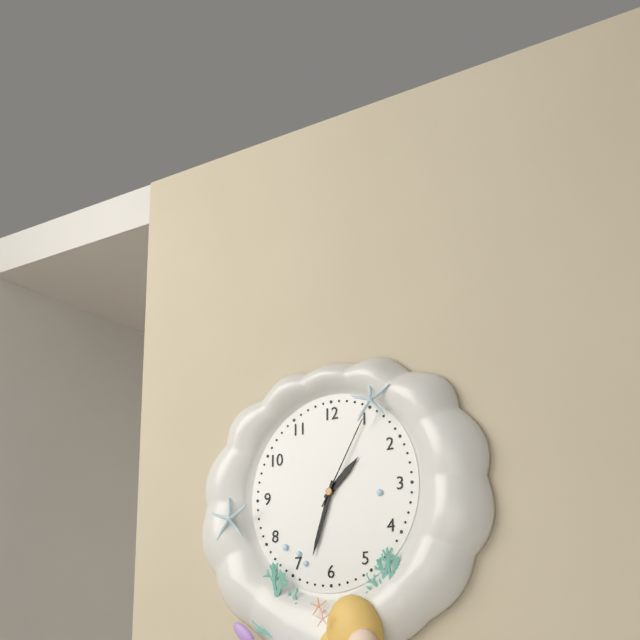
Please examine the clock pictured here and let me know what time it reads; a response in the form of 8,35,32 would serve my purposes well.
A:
1,33,05
